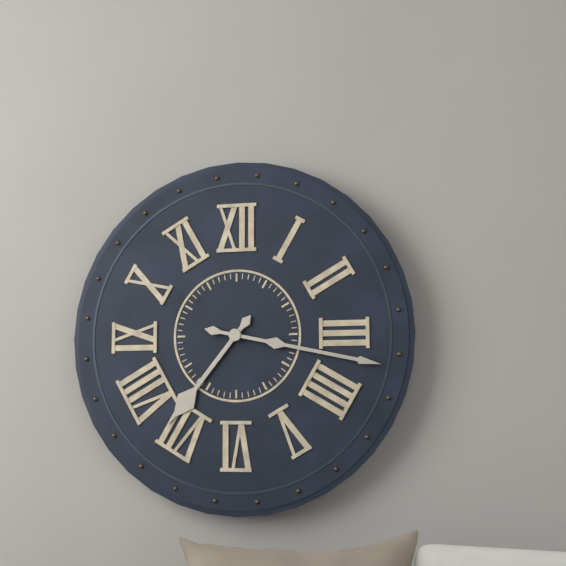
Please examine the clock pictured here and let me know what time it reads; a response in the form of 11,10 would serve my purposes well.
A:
7,17
